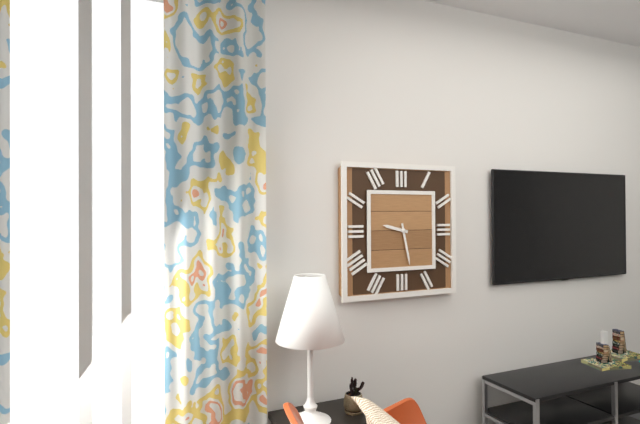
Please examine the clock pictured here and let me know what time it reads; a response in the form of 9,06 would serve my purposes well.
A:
9,28
